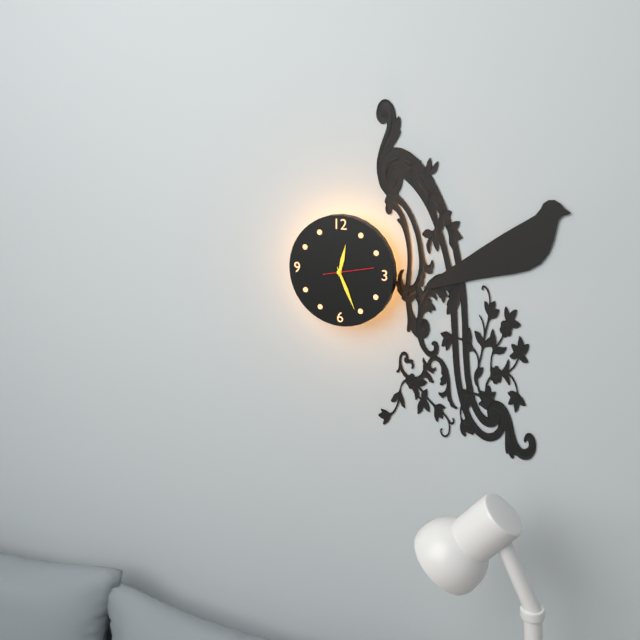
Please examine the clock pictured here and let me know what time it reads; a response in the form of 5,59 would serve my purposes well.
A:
12,26
